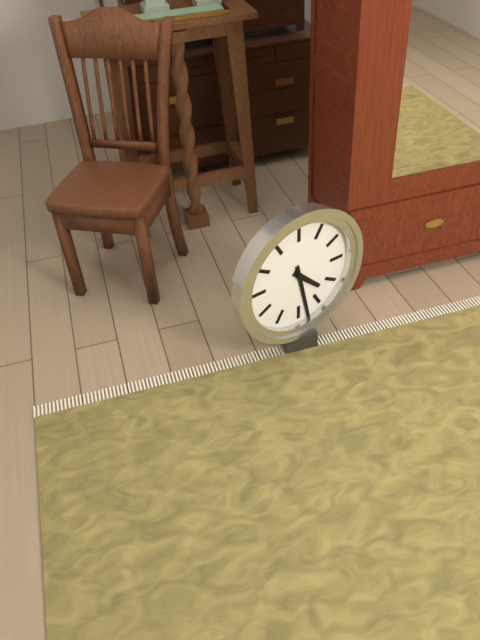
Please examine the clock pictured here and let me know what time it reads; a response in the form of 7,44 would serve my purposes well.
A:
4,28
